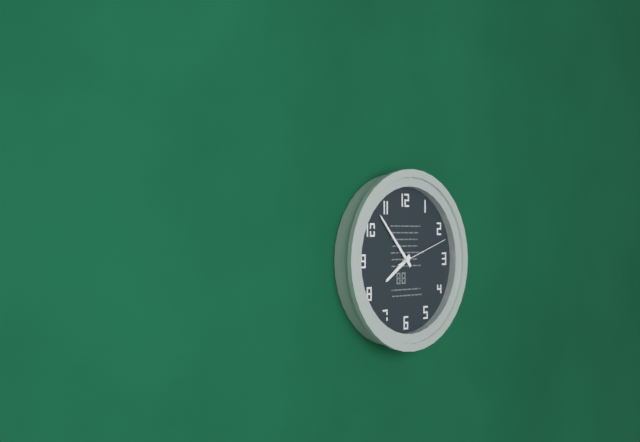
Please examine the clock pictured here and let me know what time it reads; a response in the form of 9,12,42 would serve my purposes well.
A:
7,53,12
